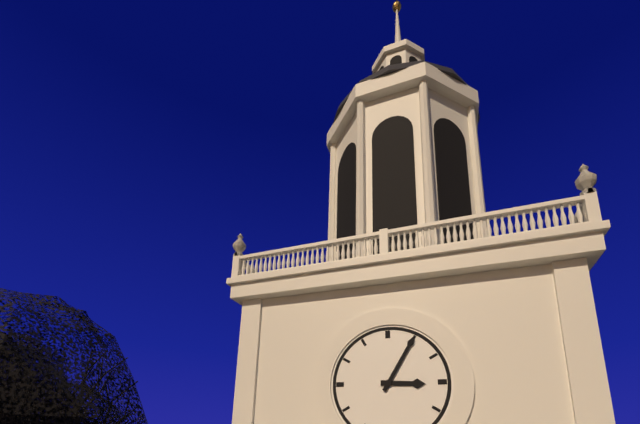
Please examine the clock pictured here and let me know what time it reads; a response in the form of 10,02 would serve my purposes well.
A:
3,05
